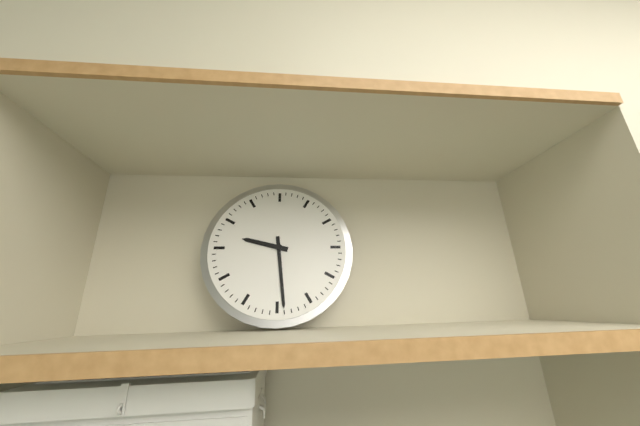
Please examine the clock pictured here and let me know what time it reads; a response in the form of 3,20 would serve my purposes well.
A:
9,29
